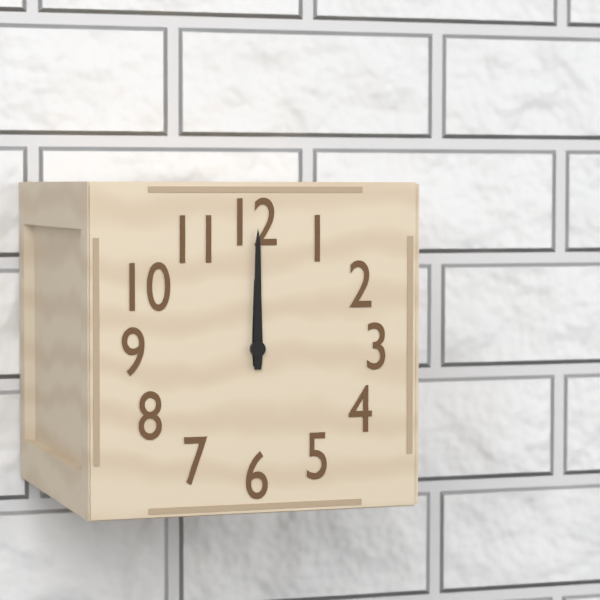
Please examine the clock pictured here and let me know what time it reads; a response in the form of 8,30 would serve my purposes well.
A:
12,00
